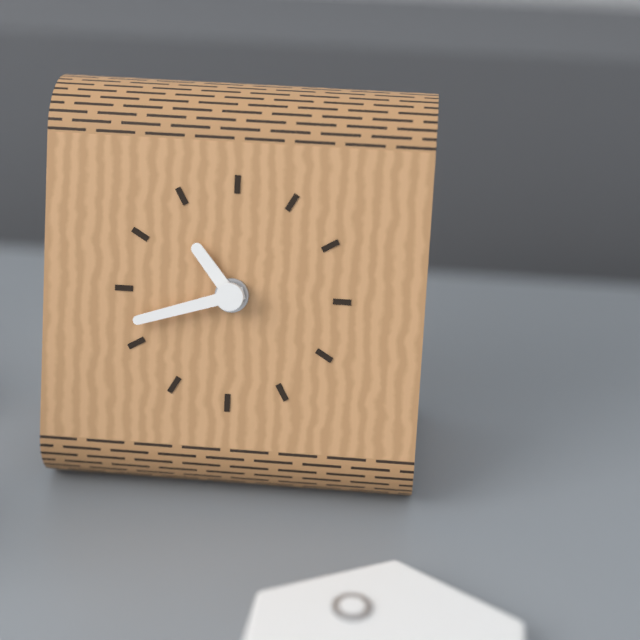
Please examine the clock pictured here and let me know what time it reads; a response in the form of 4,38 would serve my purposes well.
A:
10,42
